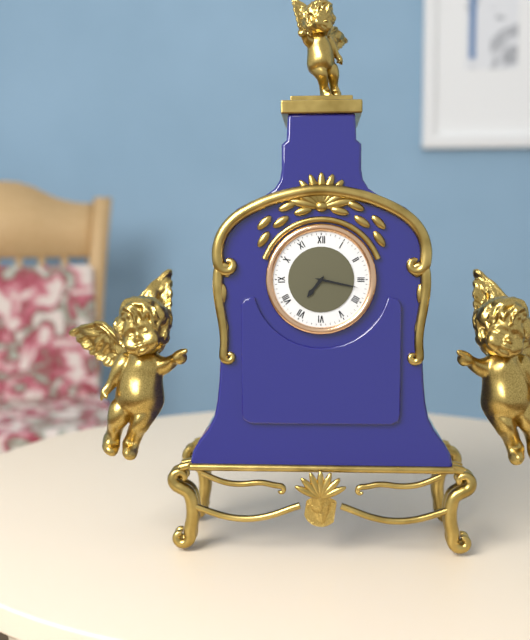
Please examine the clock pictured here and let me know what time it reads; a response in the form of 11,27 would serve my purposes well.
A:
7,17
